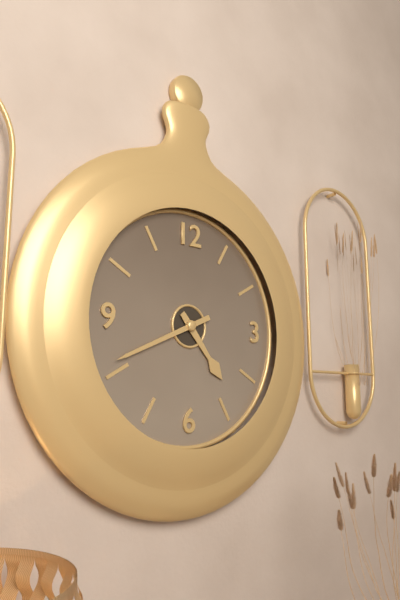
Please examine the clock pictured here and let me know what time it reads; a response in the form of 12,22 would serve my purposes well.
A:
4,41
